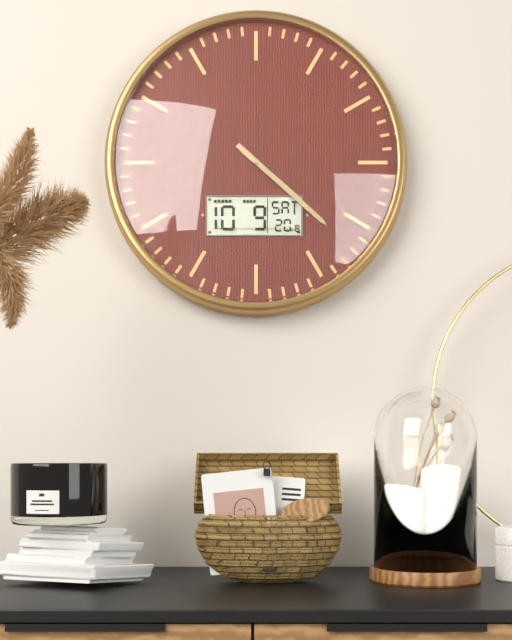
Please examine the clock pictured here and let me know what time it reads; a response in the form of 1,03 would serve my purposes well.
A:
4,22
